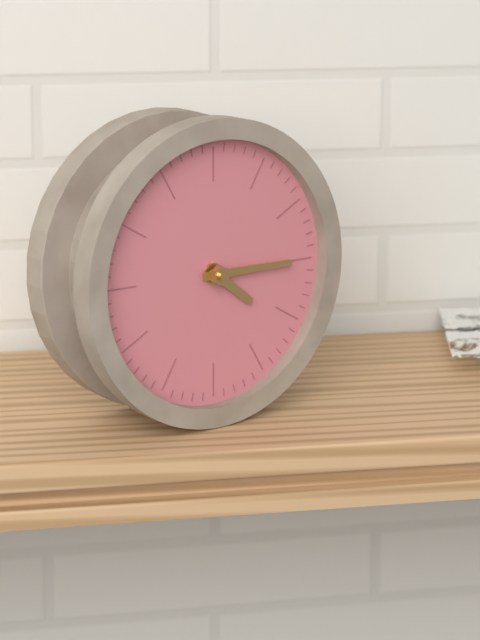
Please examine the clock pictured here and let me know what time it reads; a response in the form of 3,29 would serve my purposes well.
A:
4,15
